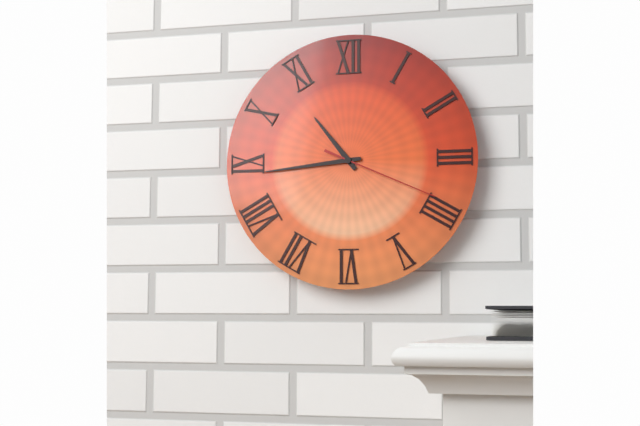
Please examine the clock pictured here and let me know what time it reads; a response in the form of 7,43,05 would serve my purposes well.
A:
10,44,19
